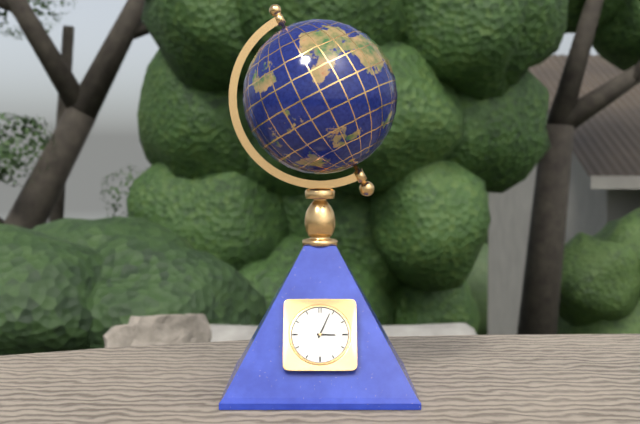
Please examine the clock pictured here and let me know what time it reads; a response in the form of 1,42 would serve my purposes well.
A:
3,04
